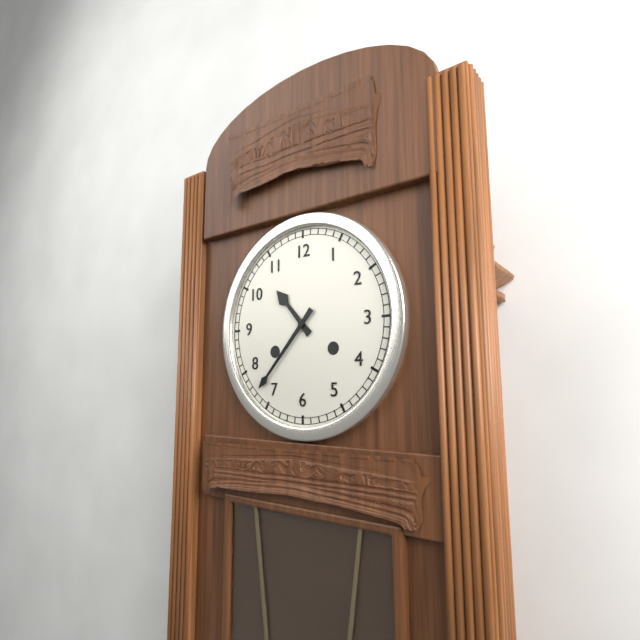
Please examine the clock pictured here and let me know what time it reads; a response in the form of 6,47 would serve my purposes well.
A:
10,37
